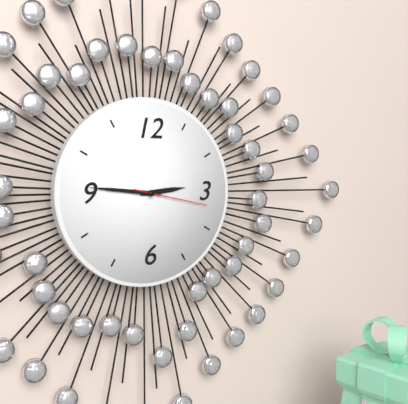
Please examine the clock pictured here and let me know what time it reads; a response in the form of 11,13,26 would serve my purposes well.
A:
2,46,17
